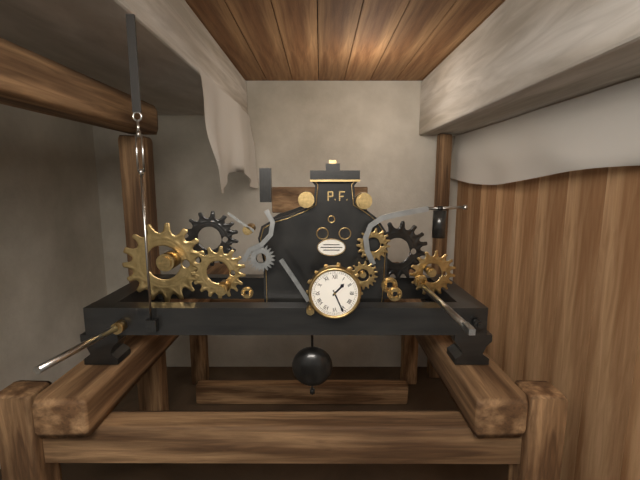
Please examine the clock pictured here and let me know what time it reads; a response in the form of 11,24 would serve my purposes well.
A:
1,26
